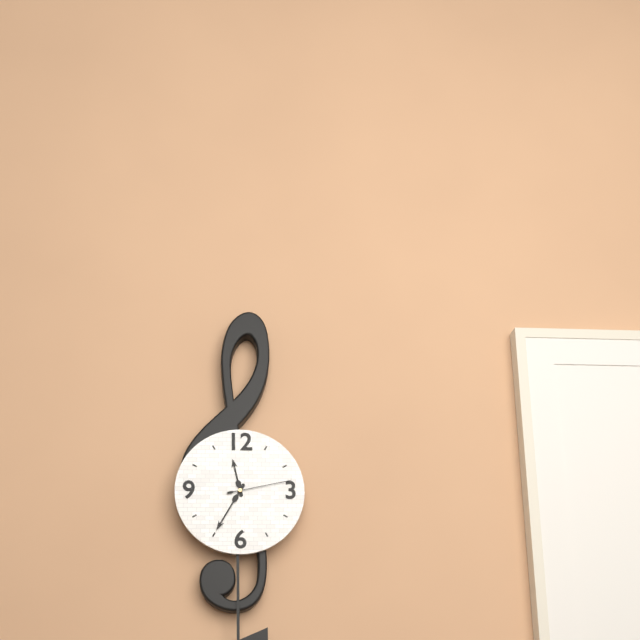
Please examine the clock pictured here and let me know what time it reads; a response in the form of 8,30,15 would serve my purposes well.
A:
11,35,13
